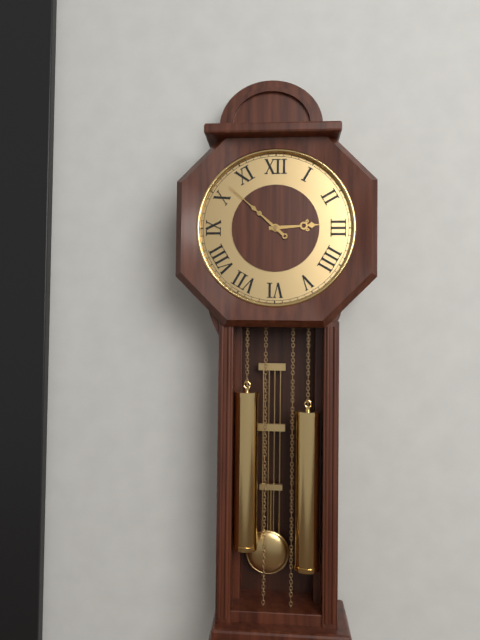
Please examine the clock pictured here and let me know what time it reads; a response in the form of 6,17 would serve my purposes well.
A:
2,52
